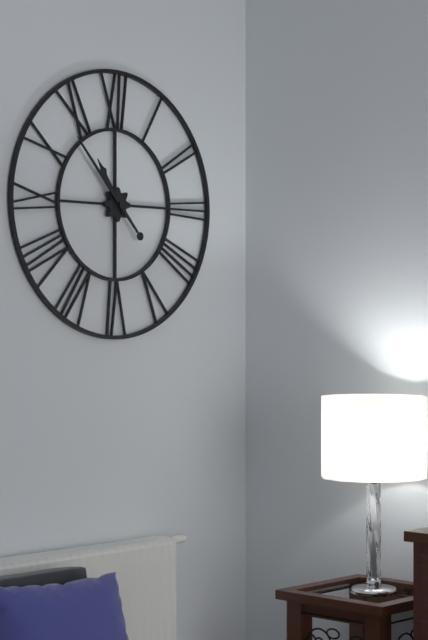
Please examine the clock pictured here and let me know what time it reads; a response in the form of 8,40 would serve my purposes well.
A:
10,53
